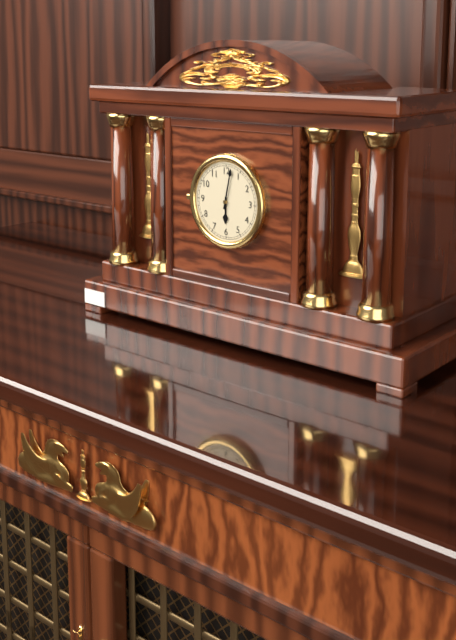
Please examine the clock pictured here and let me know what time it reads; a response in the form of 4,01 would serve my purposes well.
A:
6,02
